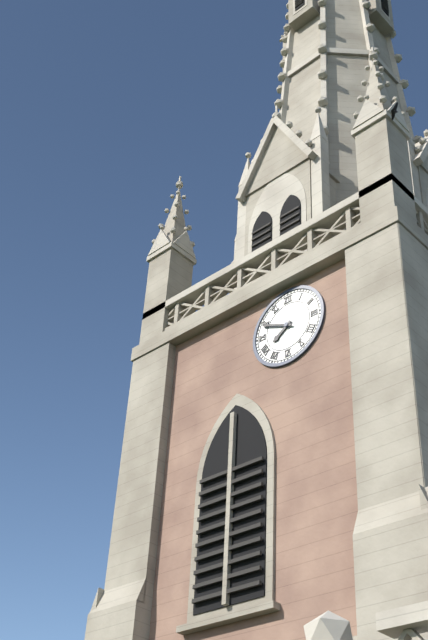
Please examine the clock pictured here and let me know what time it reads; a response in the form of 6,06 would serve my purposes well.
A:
7,49
